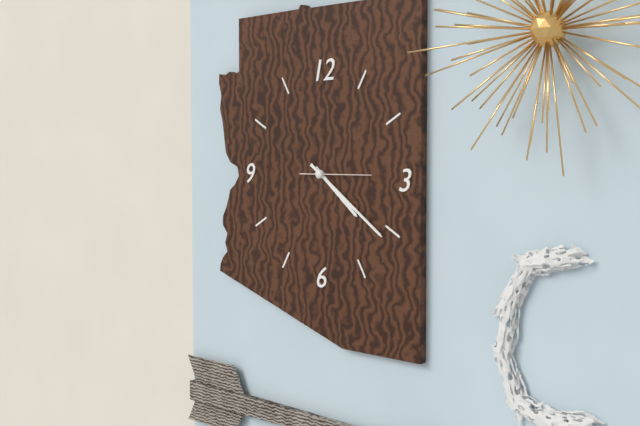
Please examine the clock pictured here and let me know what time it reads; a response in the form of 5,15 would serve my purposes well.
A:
4,21
